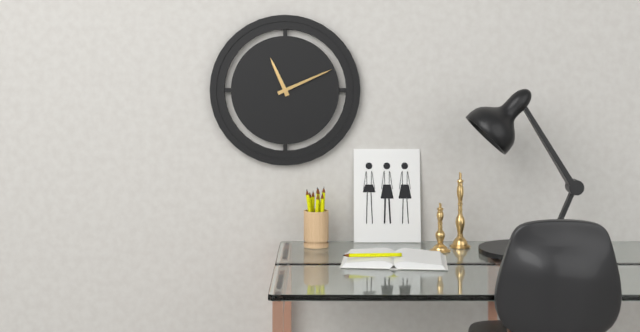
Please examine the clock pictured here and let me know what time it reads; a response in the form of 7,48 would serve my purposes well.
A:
11,11
